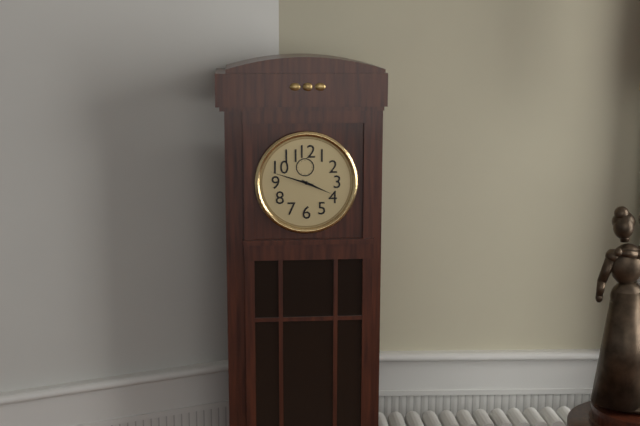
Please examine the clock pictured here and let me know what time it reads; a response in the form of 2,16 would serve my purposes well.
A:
3,48
